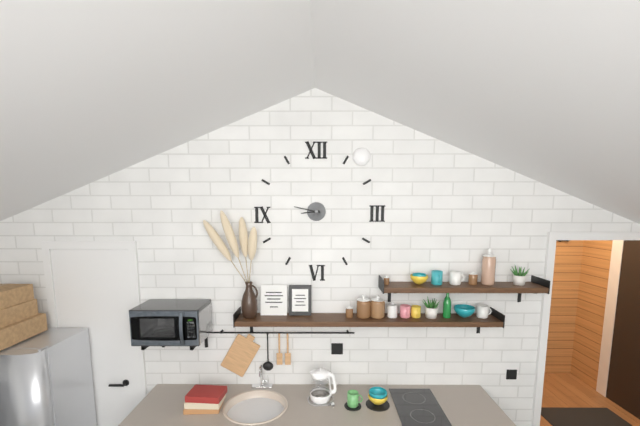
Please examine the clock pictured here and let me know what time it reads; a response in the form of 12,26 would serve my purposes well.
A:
8,47
